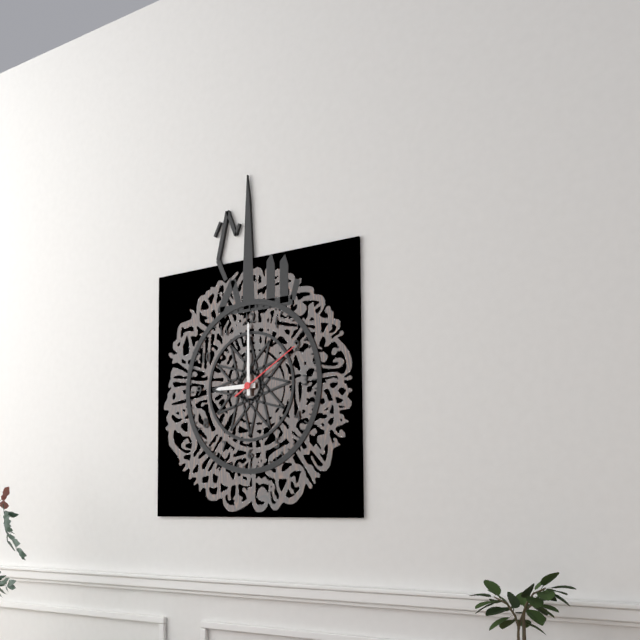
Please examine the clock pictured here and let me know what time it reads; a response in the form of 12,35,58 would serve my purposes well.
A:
9,00,10
